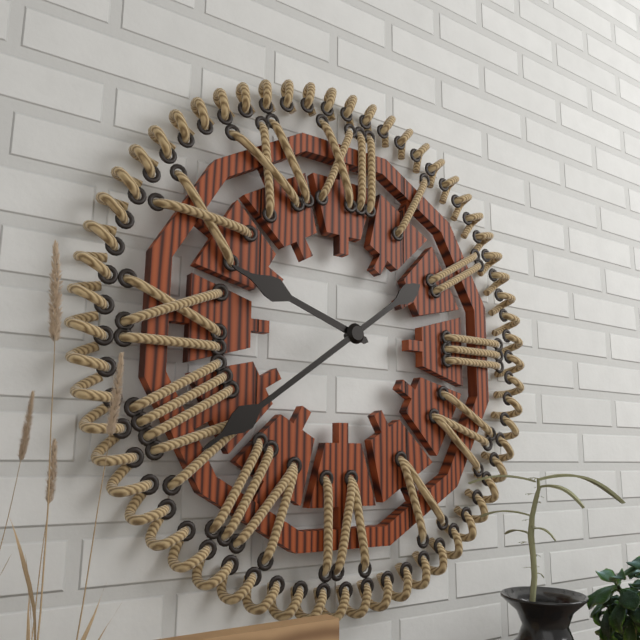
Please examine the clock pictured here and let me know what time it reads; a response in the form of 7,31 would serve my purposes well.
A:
9,39
